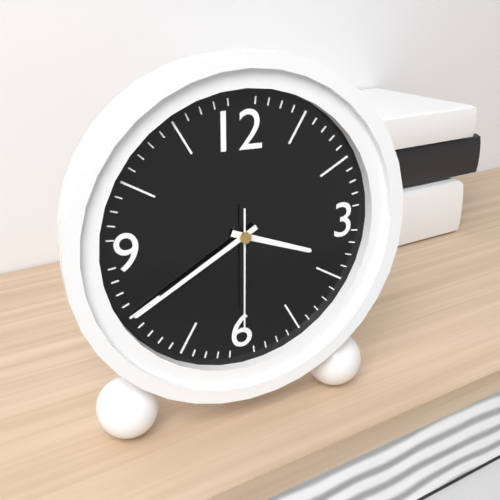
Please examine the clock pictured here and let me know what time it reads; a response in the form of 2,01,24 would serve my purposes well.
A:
3,40,30
